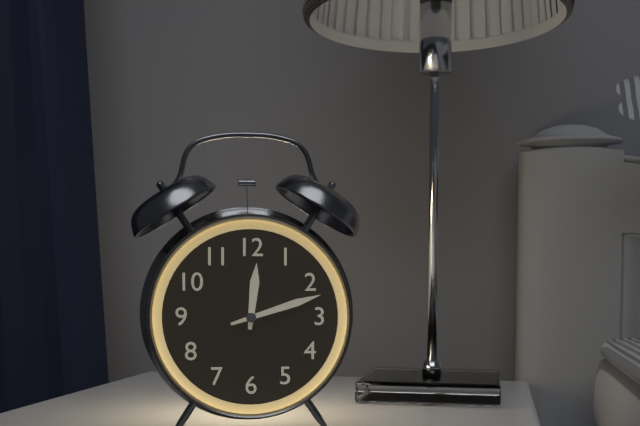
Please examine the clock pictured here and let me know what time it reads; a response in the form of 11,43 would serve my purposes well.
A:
12,12
